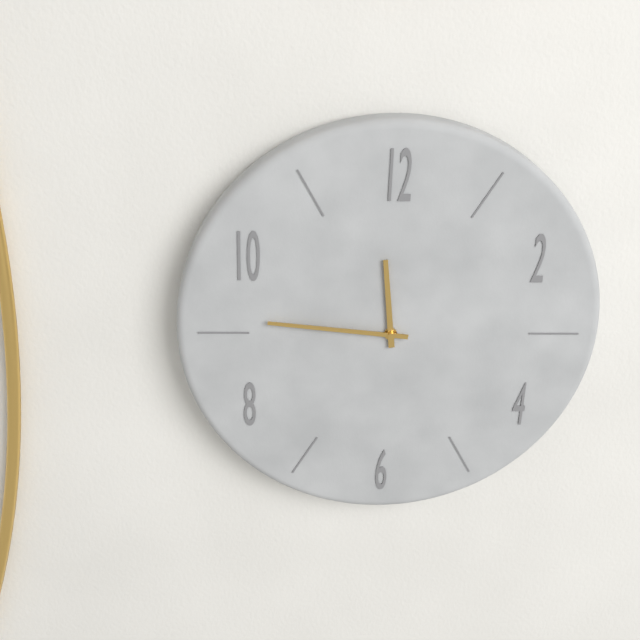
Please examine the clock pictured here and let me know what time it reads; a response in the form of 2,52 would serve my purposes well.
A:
11,46
